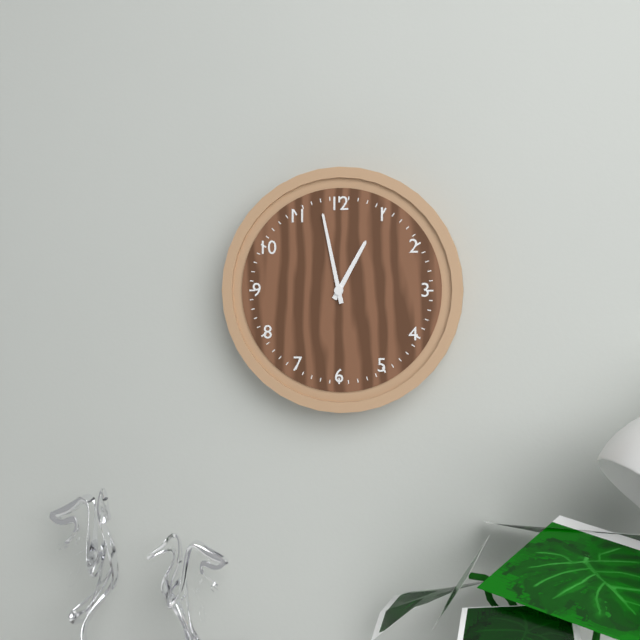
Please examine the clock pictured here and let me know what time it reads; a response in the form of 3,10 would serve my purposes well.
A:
12,58
